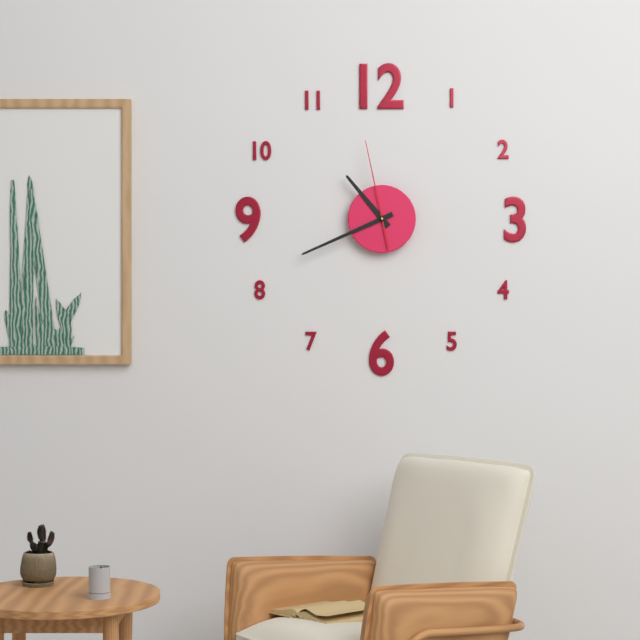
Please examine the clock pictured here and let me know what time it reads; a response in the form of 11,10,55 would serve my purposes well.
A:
10,41,58
